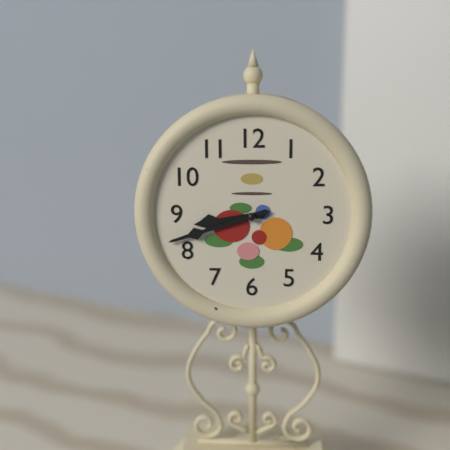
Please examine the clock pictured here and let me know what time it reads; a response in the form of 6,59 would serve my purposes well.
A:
8,42
